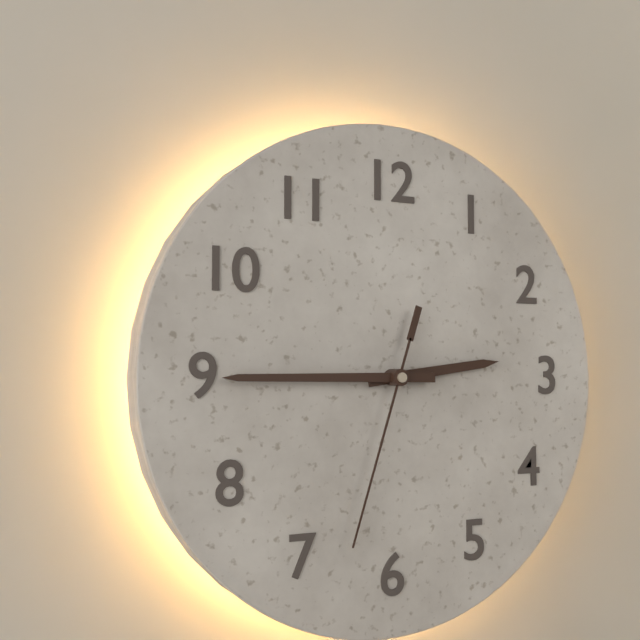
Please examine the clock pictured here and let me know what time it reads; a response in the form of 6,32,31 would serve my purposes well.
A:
2,45,33
